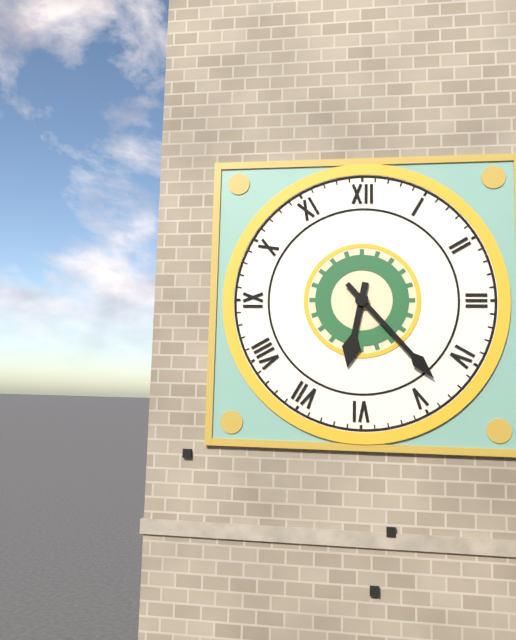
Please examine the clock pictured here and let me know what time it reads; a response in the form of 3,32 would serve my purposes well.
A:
6,23
